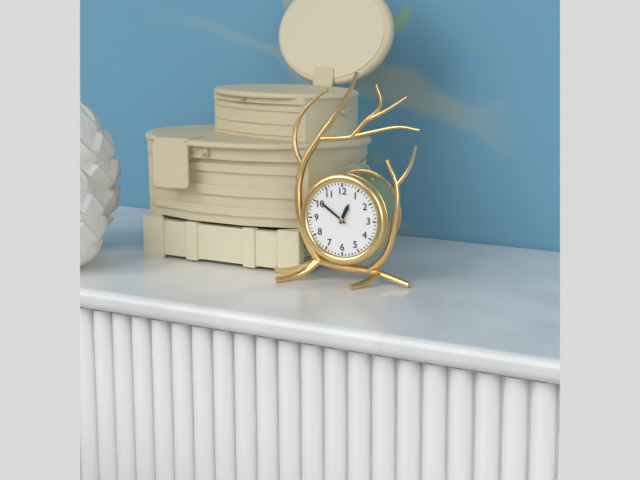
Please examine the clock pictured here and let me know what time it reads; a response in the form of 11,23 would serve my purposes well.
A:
12,51
